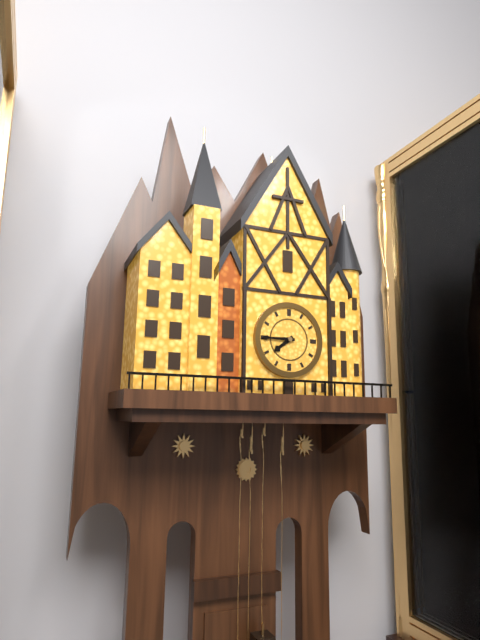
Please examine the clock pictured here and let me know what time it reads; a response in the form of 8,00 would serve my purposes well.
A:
7,45
